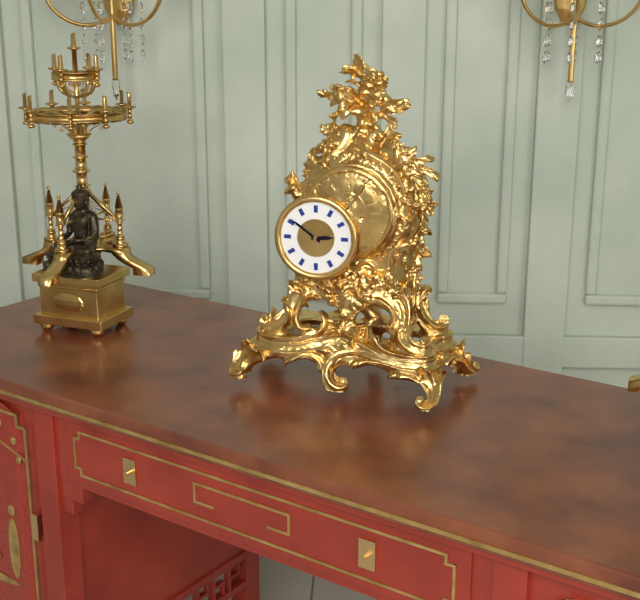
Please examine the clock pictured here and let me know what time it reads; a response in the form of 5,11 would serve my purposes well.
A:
2,51
